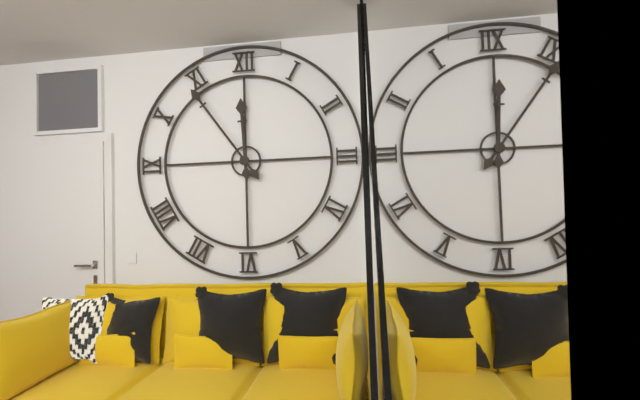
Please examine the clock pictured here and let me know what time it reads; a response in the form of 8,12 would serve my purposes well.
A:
11,54
